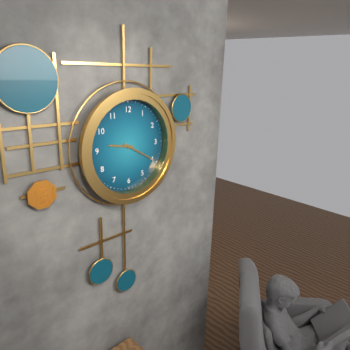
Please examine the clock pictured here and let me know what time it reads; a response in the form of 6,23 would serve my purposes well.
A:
9,20
